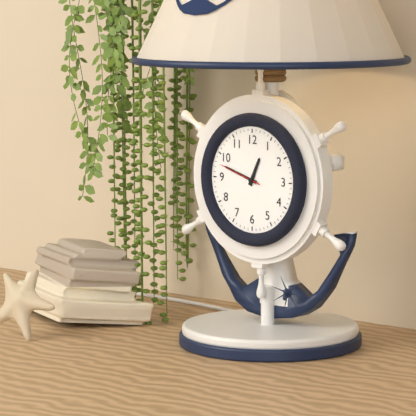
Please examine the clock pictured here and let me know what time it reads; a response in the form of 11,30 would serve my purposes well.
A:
12,48
